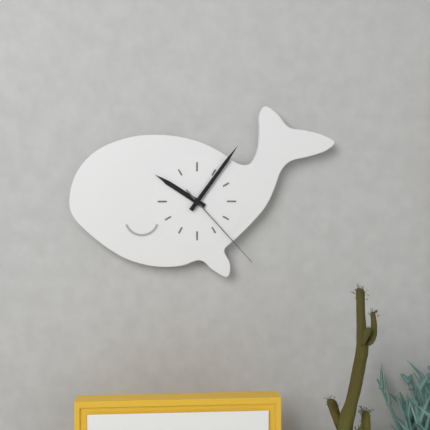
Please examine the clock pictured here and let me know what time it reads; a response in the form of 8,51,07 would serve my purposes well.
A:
10,06,23
